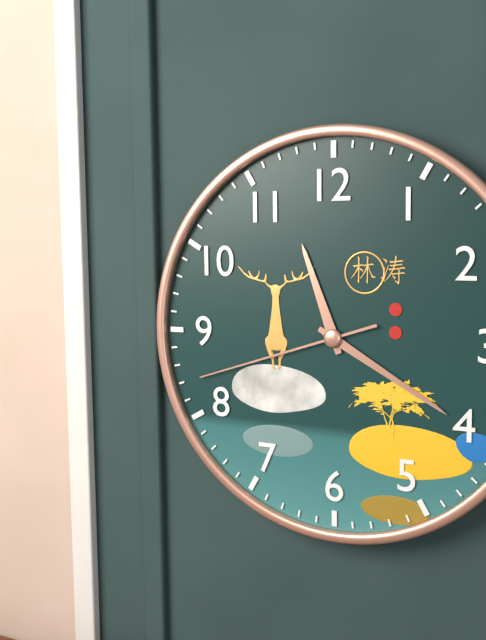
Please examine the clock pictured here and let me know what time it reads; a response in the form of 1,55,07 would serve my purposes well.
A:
11,20,42
